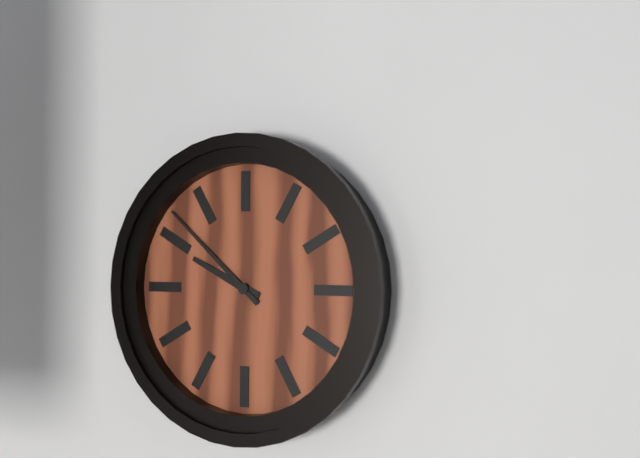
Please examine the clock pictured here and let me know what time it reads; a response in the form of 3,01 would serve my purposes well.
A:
9,52
